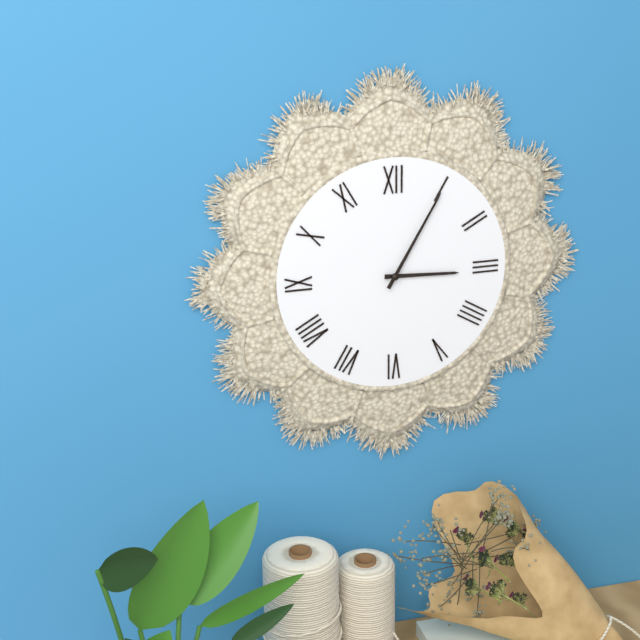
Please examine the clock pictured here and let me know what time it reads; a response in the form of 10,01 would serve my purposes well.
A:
3,05
